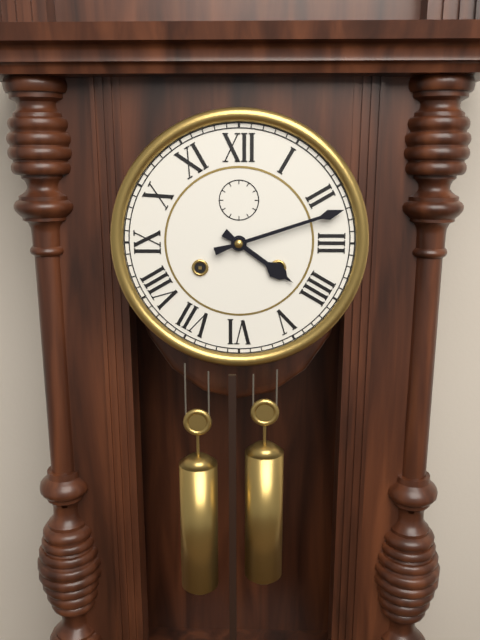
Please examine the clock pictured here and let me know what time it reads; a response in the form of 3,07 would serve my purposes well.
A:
4,12
